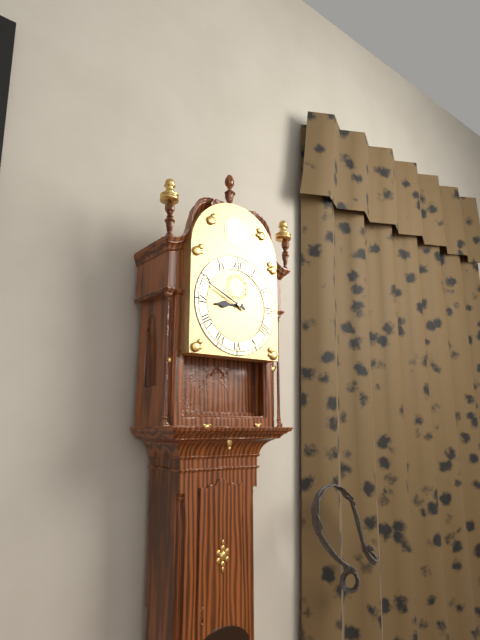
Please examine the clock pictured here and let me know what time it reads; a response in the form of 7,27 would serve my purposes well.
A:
8,49
